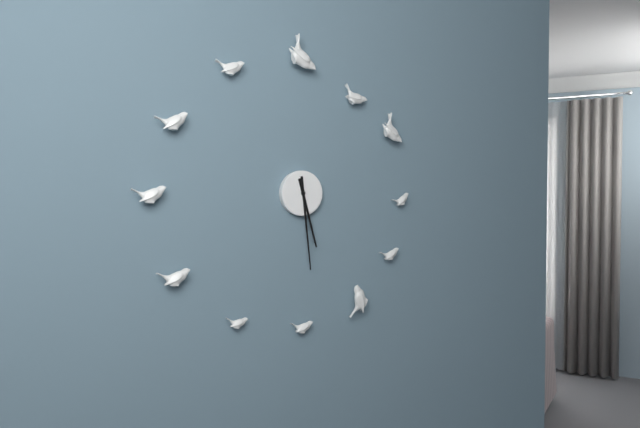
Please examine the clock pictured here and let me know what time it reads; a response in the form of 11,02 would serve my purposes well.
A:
5,29
